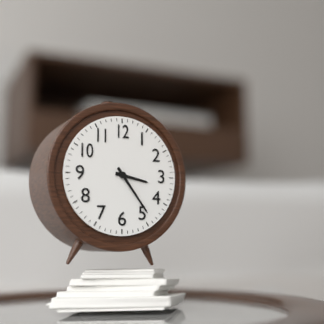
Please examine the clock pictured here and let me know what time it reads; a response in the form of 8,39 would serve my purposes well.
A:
3,24
